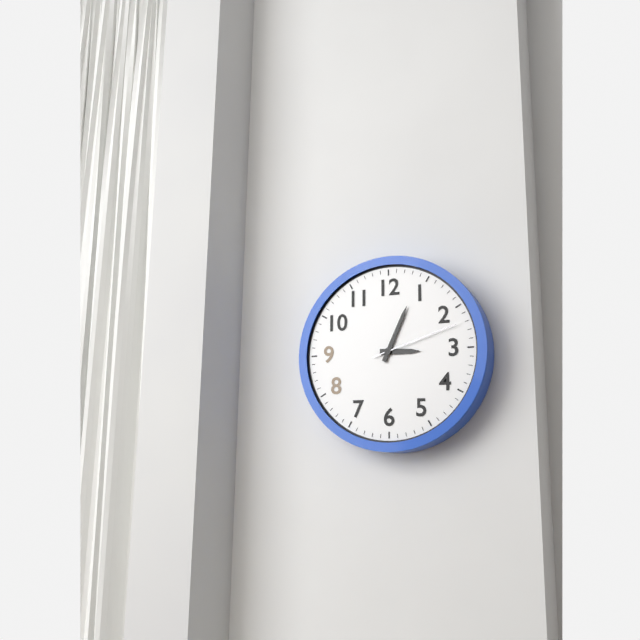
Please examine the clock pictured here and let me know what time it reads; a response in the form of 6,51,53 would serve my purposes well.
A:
3,04,12
